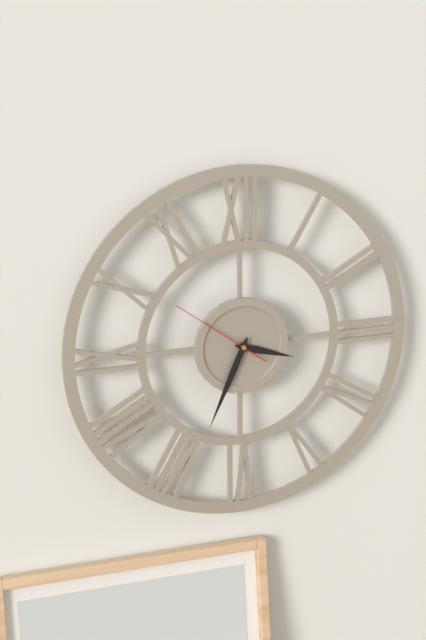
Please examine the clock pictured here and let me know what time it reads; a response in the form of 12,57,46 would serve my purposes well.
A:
3,34,51
